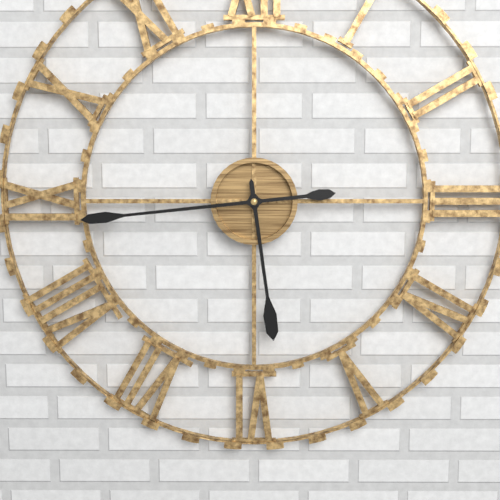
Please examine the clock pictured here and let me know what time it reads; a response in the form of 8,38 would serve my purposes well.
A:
5,44
